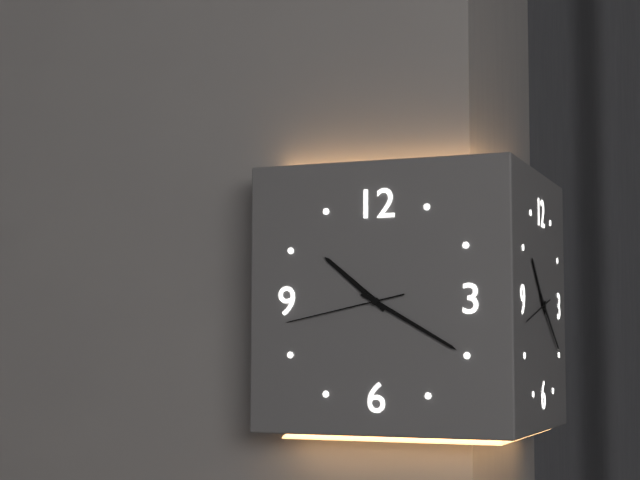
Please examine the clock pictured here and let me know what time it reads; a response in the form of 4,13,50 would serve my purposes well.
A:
10,20,43
